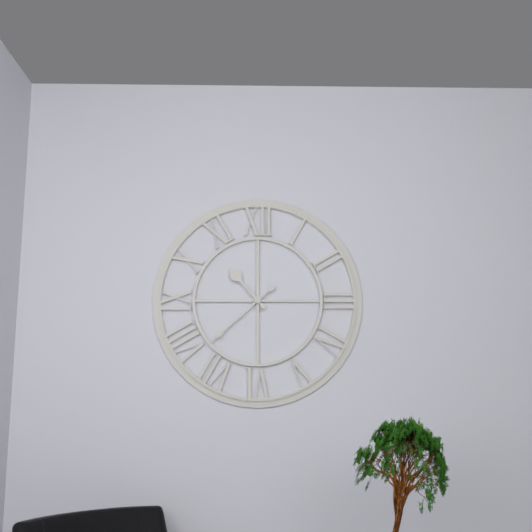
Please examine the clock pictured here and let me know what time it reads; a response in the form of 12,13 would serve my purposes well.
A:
10,38
